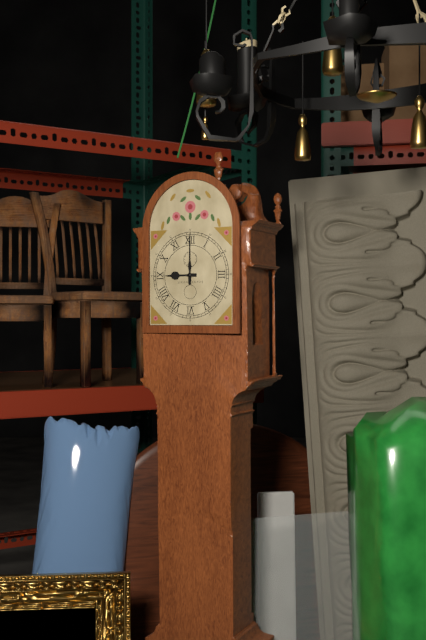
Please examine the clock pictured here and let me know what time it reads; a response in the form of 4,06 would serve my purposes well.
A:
9,00
